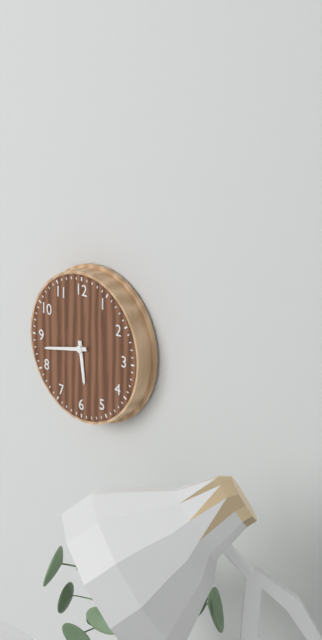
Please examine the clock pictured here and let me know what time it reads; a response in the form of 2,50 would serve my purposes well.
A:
5,43
